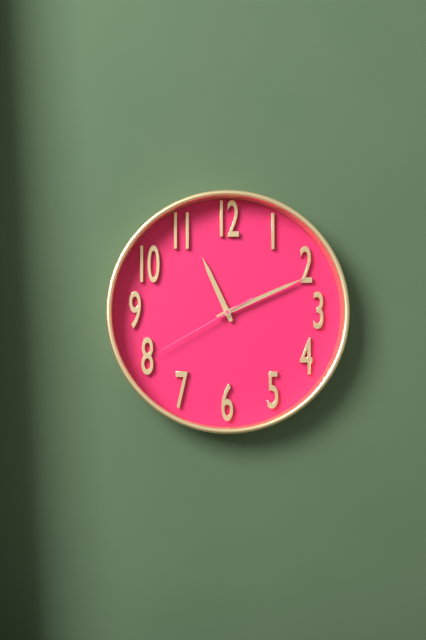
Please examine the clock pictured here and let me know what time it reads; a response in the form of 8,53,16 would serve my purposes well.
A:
11,11,40
